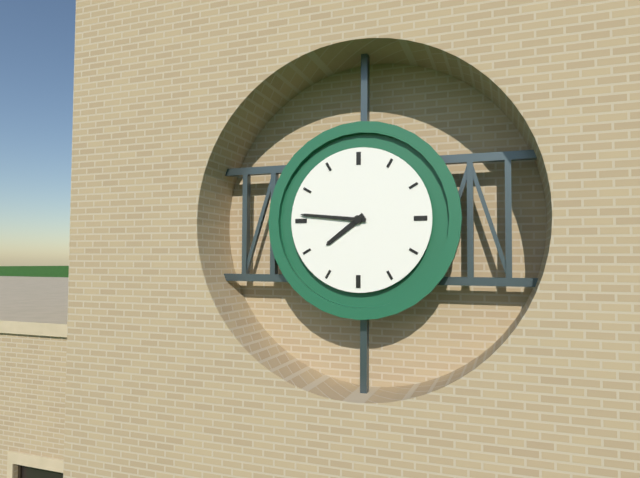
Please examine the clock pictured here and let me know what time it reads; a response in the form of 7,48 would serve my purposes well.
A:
7,46
